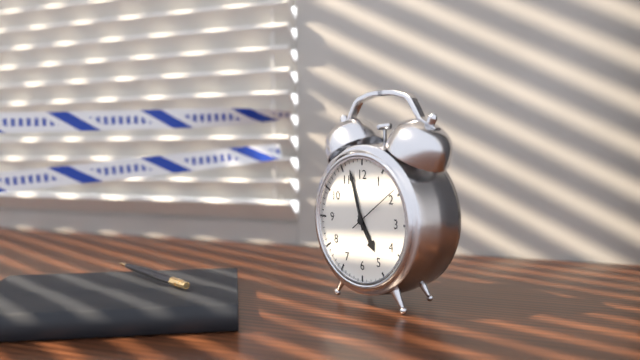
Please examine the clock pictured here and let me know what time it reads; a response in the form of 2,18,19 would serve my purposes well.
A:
4,57,09
